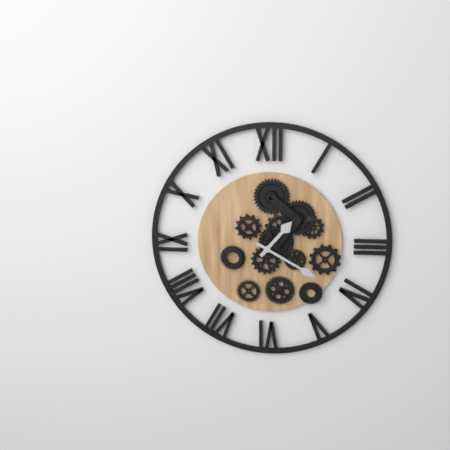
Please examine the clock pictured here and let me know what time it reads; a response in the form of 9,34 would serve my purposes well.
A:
1,20
